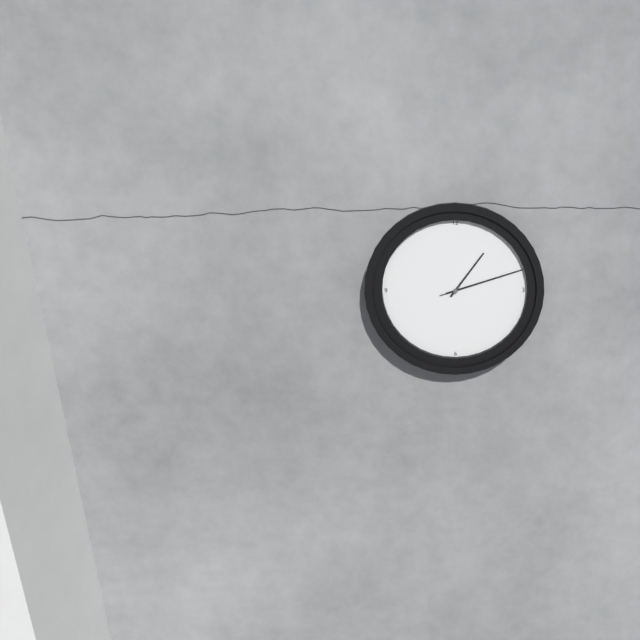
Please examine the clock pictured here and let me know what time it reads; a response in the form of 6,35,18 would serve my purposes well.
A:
1,12,12
